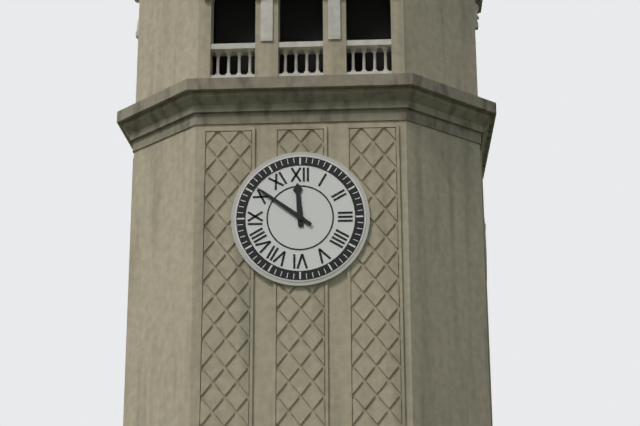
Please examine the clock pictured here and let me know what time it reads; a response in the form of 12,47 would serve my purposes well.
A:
11,51
